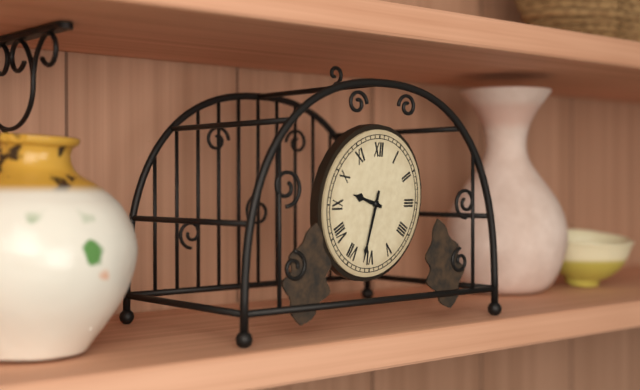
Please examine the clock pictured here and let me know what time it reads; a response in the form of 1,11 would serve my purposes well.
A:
9,32
